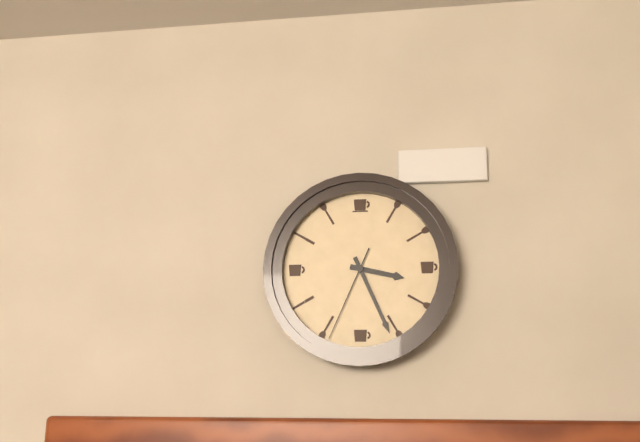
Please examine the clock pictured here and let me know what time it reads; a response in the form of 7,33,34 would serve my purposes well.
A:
3,26,34
